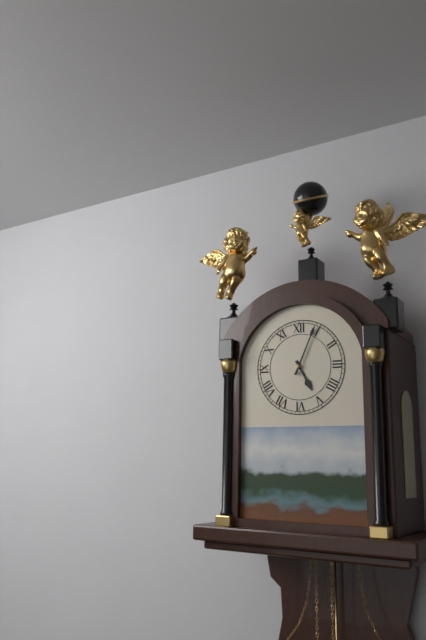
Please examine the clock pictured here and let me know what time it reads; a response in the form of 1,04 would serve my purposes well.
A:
5,04
